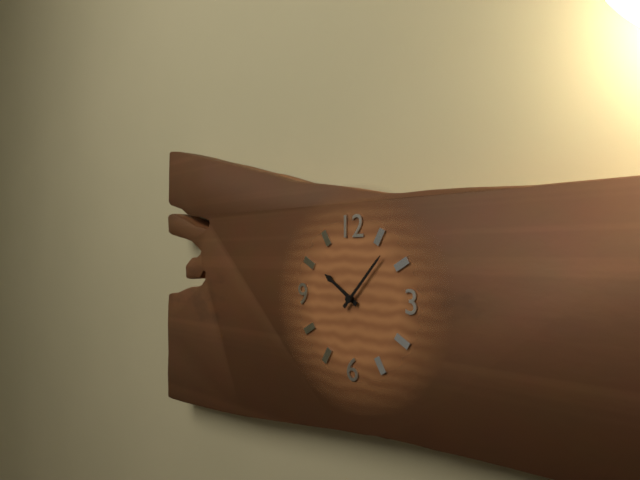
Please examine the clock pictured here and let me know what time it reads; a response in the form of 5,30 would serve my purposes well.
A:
10,07
